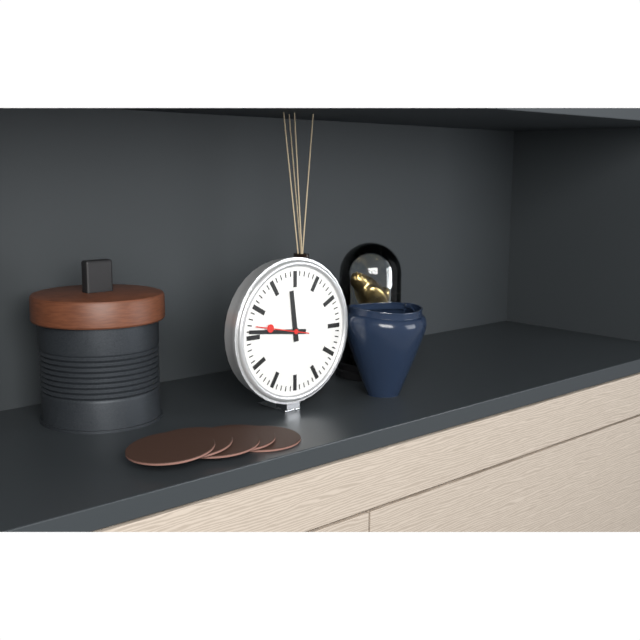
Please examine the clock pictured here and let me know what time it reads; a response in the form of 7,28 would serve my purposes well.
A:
11,46
